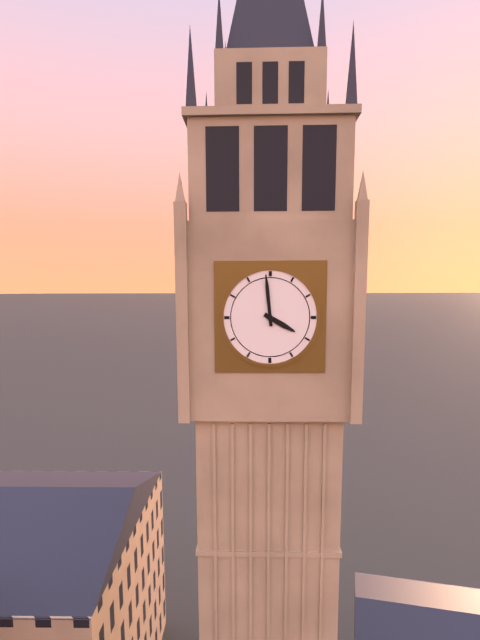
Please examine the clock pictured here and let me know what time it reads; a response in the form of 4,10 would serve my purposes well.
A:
3,59
